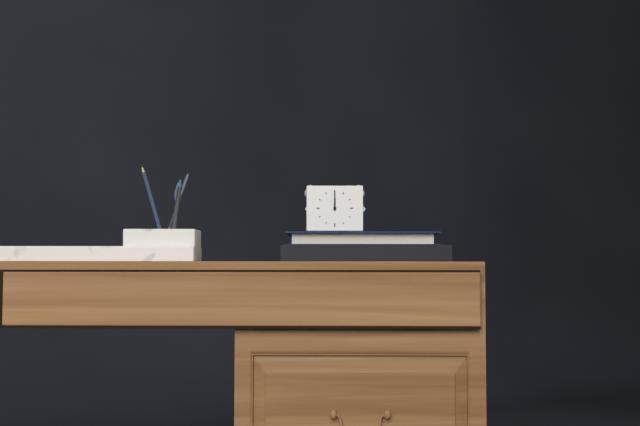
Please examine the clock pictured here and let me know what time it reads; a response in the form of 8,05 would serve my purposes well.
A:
12,00
